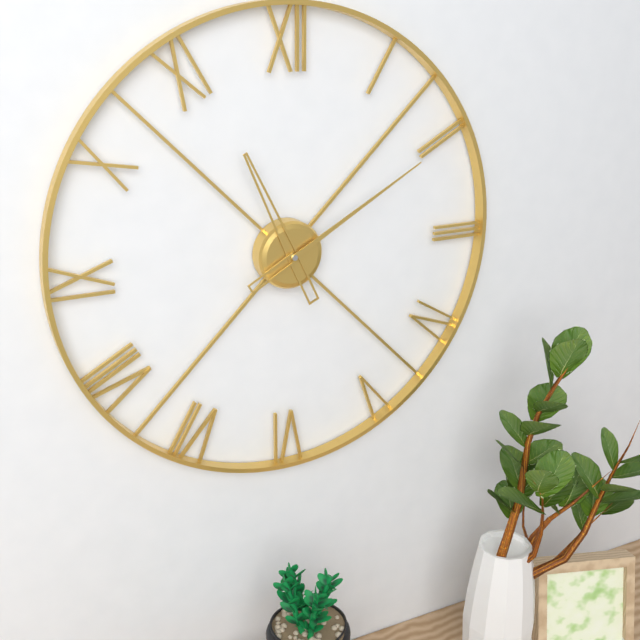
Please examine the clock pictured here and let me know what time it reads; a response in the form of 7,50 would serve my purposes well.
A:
11,10
